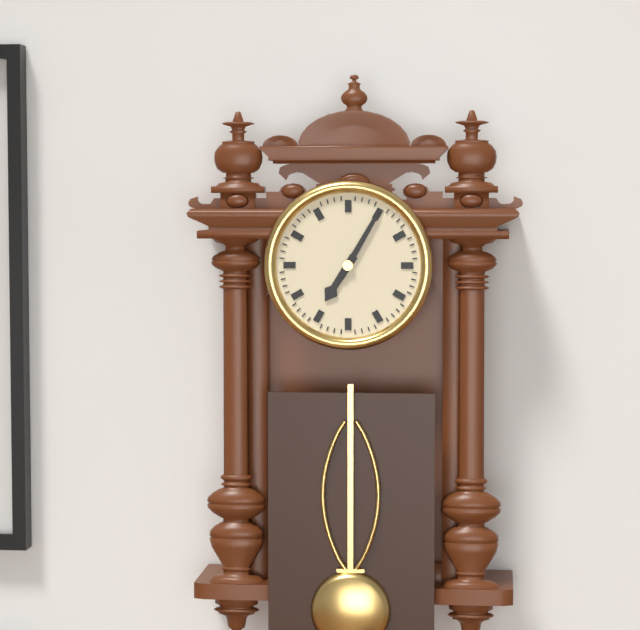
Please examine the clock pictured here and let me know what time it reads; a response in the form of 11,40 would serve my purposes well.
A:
7,05
